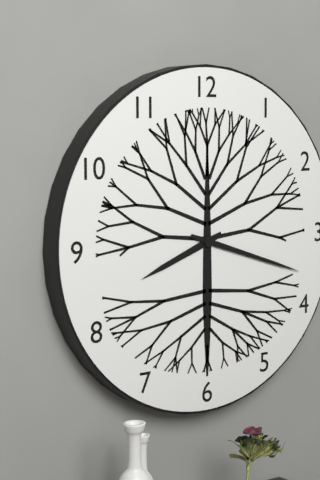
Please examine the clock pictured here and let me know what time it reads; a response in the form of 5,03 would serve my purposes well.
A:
8,18
